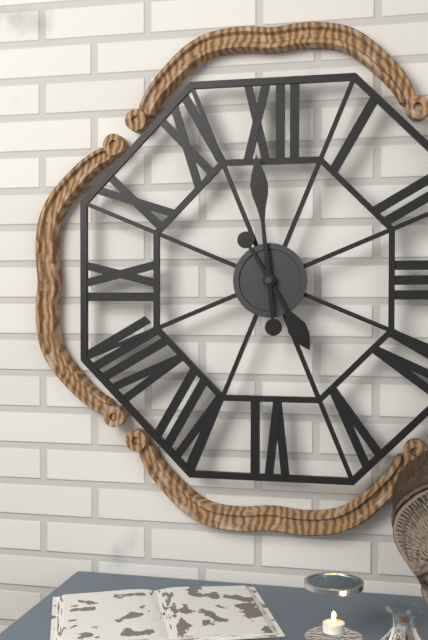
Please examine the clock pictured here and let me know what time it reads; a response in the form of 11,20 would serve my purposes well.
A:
4,59
